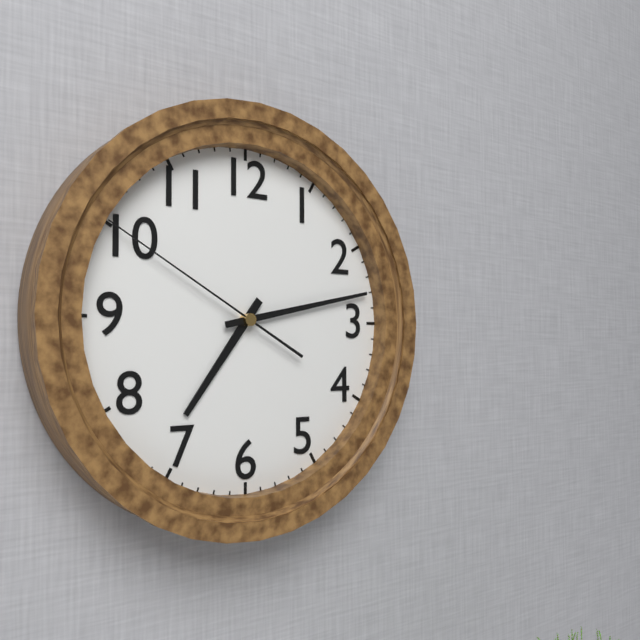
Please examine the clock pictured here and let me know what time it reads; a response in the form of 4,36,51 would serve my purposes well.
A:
7,13,50
